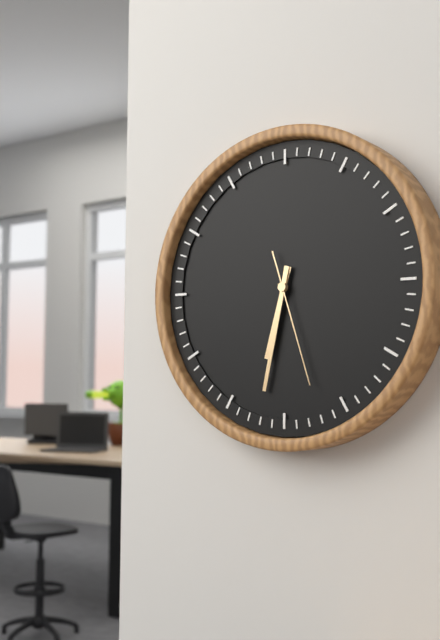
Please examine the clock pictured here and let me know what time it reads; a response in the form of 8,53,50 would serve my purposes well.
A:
6,32,27
